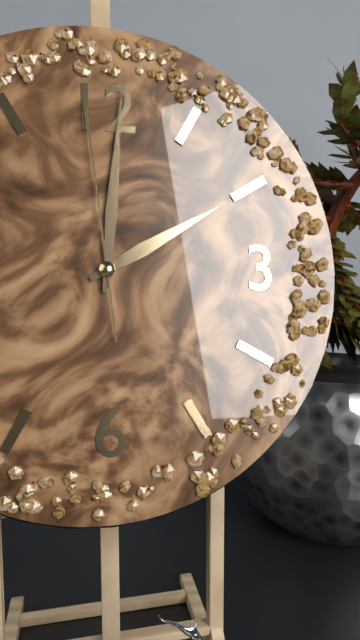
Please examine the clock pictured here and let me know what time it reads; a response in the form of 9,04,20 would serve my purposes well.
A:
2,01,59
